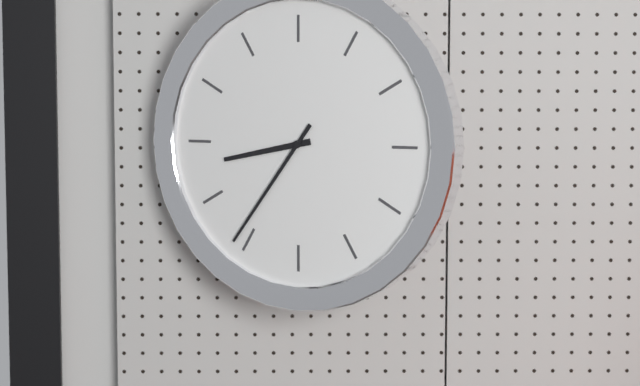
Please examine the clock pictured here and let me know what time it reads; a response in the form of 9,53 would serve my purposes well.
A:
8,36
